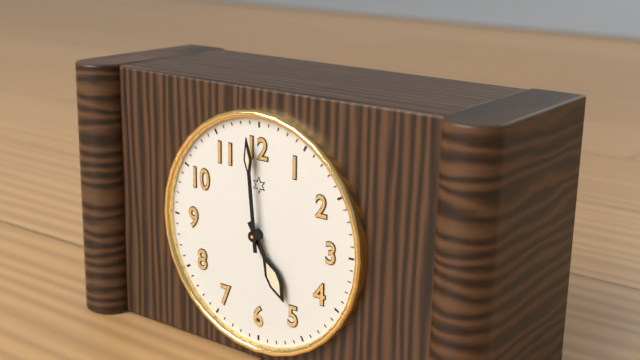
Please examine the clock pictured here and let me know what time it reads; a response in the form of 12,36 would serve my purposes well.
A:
4,59
